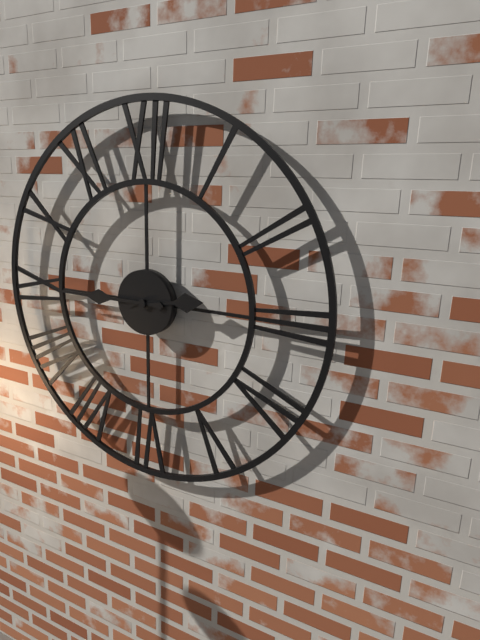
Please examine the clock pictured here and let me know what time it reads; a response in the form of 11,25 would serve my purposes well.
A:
2,45
